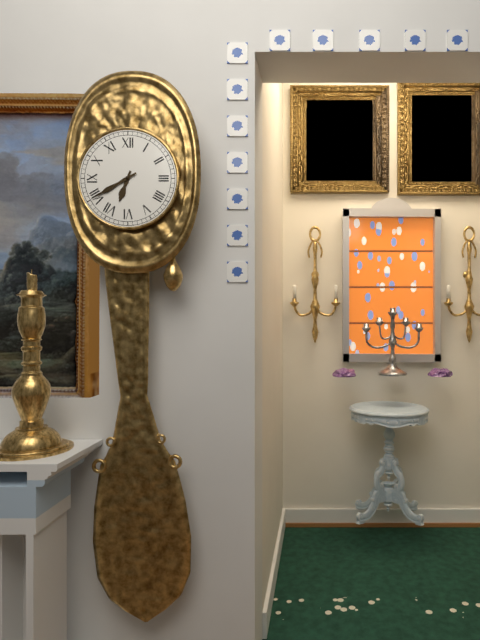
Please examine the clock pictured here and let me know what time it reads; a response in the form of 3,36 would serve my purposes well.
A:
6,40
